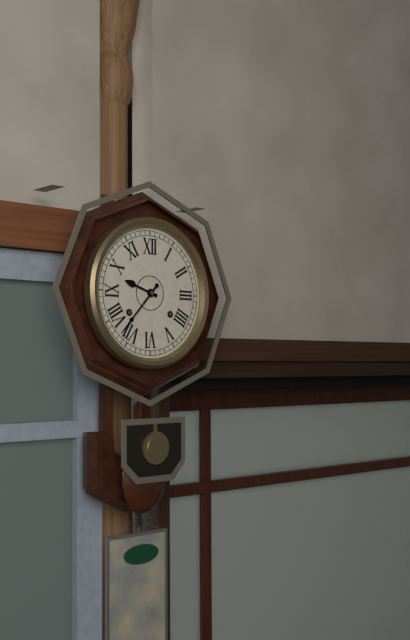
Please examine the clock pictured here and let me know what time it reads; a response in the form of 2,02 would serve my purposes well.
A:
9,37
